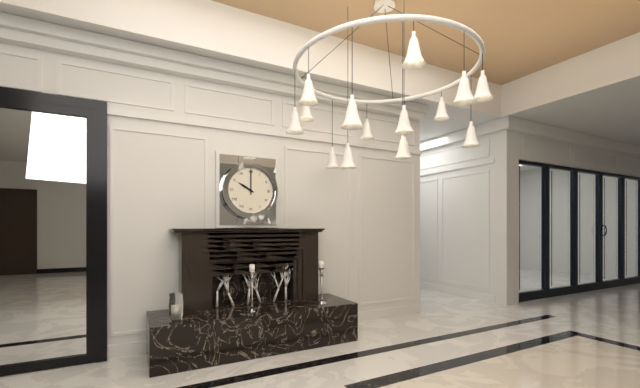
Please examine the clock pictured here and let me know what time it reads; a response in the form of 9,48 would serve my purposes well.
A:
10,00
